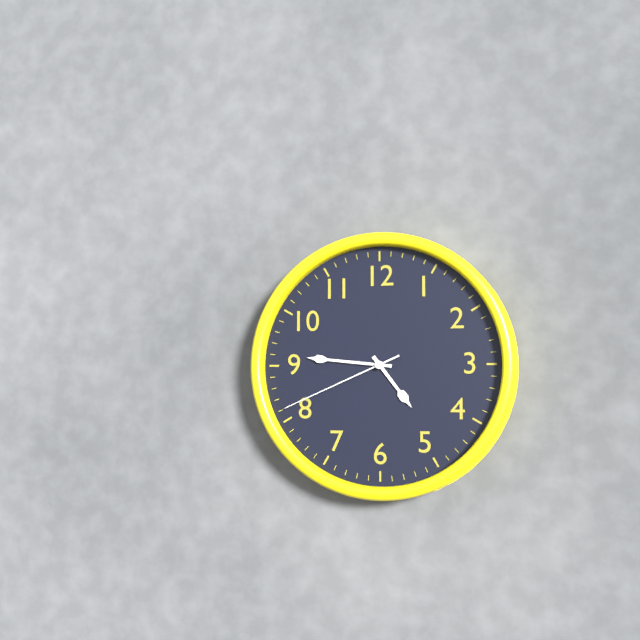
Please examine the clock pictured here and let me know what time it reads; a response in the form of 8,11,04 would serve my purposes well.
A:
4,46,41
